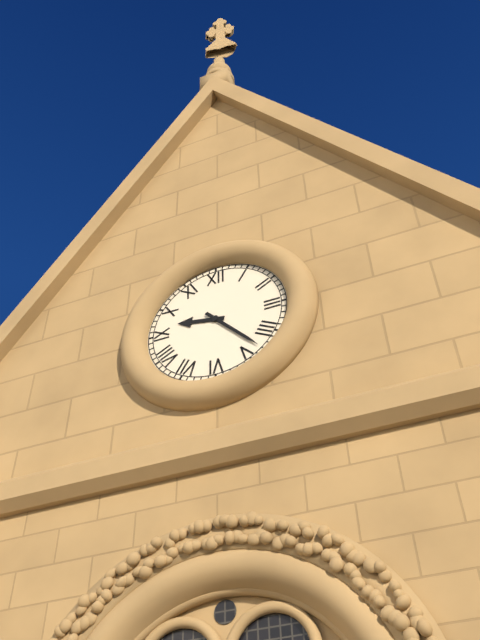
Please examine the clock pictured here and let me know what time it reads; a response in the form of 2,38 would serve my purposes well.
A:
9,23
